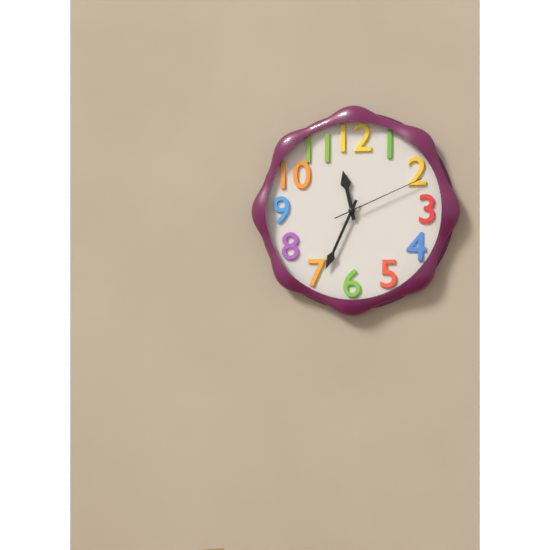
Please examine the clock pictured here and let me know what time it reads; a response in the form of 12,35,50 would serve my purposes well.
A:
11,34,11
